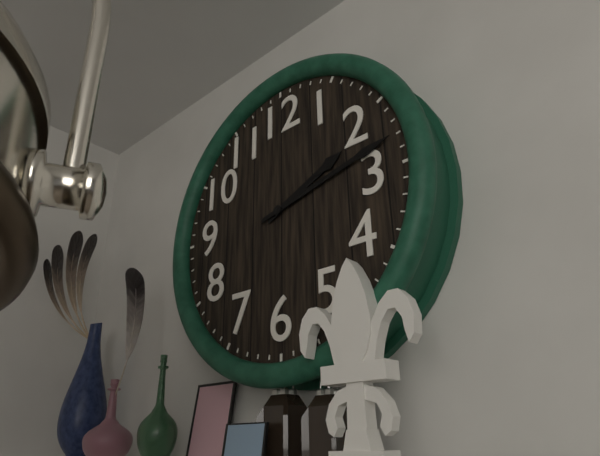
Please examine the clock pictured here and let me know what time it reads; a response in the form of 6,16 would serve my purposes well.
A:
2,13
